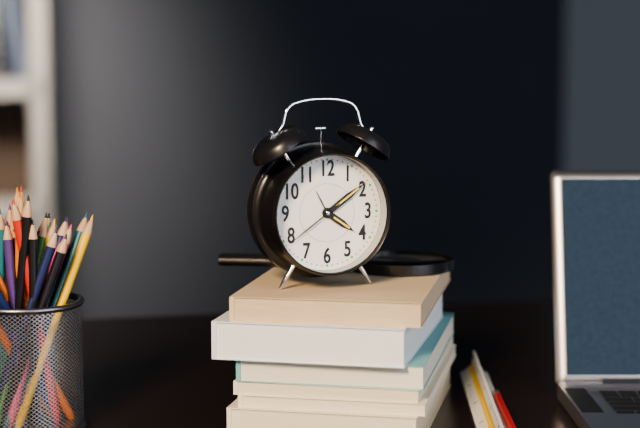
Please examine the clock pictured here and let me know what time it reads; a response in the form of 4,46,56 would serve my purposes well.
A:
4,09,39
